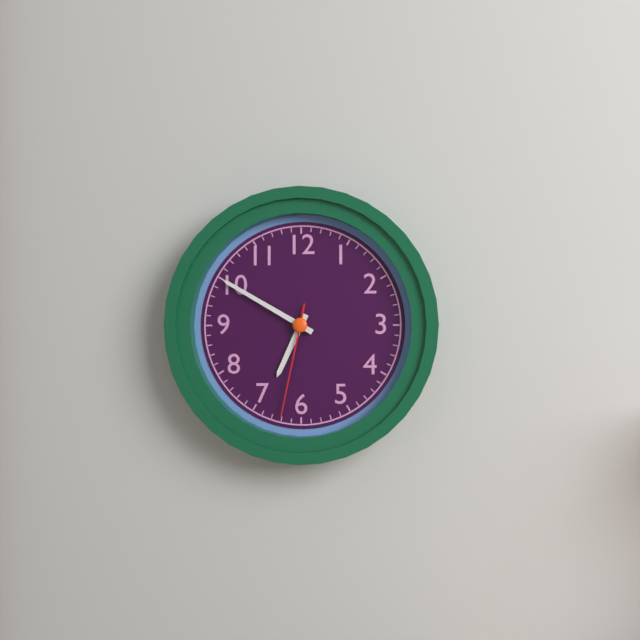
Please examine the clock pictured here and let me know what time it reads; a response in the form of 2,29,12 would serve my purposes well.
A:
6,50,32
